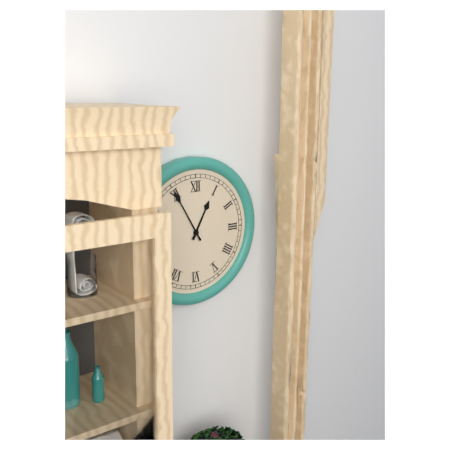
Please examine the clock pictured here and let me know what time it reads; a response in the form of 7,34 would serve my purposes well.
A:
12,55
